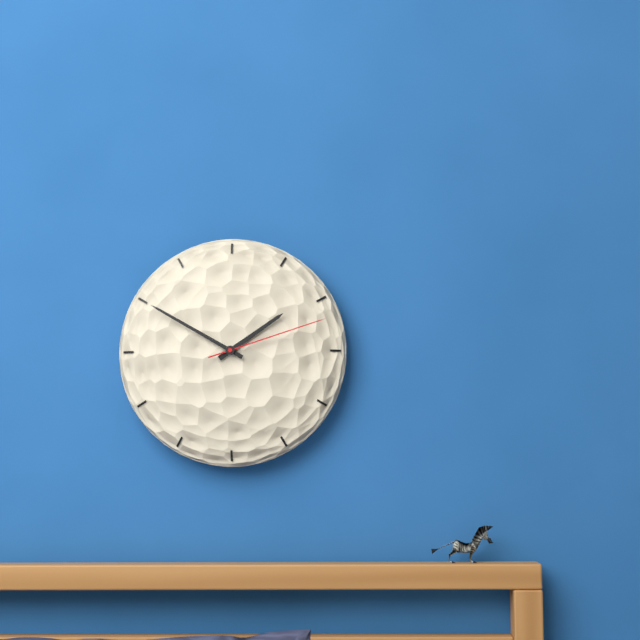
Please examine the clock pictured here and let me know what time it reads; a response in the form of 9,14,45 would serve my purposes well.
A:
1,50,12
